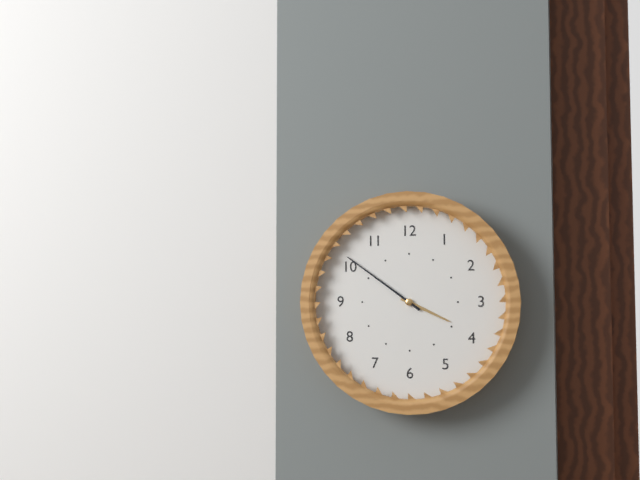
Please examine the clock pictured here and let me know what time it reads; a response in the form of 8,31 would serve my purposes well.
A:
3,51
